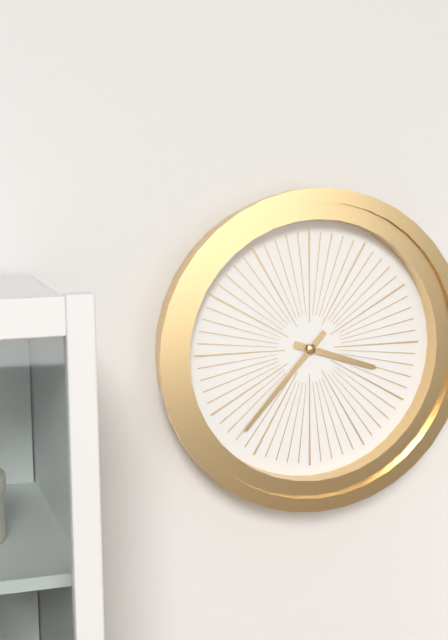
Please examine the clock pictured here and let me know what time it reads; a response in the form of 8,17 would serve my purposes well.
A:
3,37
